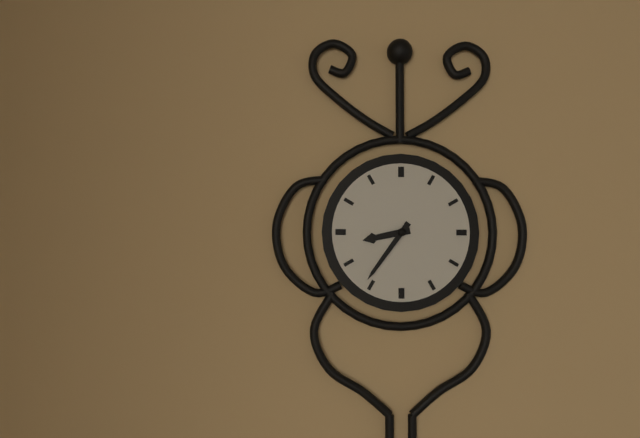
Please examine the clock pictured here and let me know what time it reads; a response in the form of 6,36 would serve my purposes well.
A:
8,36
